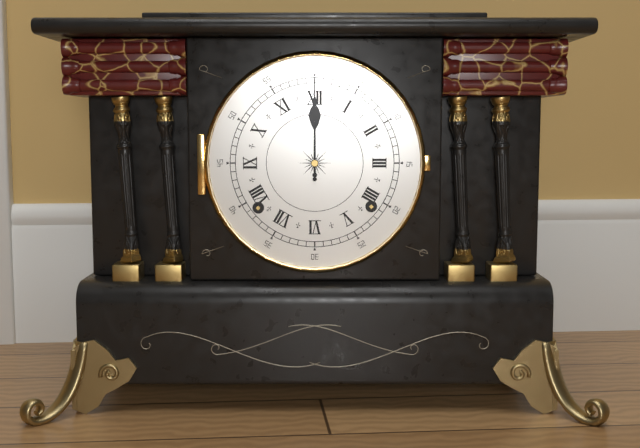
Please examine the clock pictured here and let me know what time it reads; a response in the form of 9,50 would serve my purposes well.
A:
12,00
